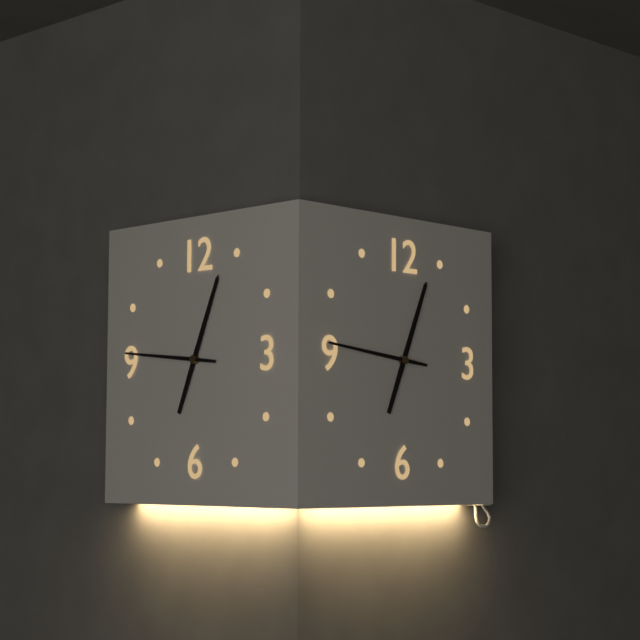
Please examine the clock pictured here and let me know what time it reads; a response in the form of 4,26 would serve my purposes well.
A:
12,46
